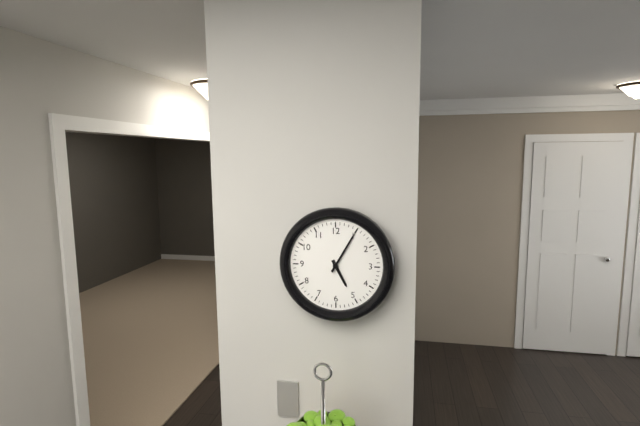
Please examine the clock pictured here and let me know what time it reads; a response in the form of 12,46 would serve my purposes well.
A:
5,05
